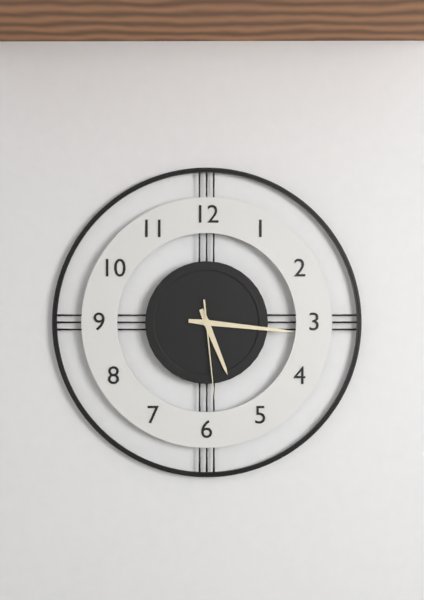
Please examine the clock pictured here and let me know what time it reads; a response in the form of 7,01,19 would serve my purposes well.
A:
5,16,29
